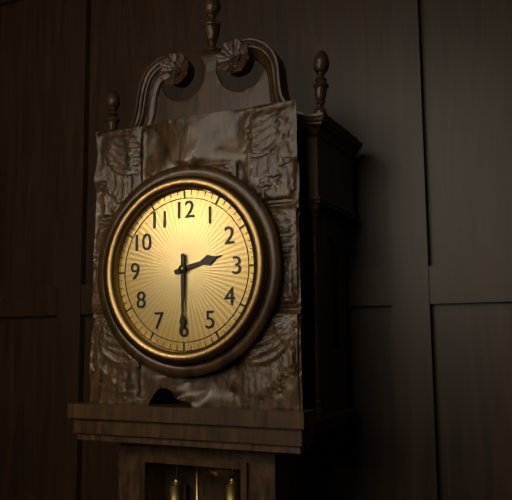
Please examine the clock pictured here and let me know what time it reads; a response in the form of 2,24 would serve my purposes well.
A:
2,30
